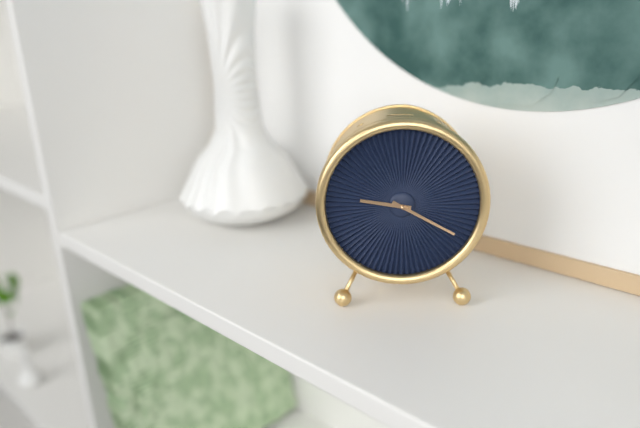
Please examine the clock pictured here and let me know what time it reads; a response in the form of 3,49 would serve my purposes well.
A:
9,20
